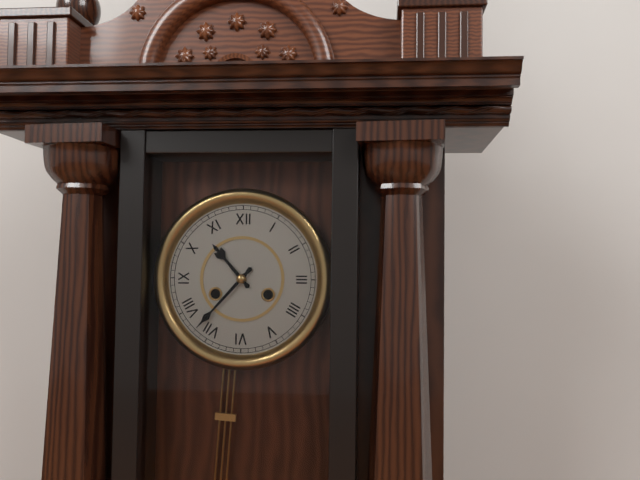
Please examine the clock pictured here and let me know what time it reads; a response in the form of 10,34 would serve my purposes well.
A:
10,37
